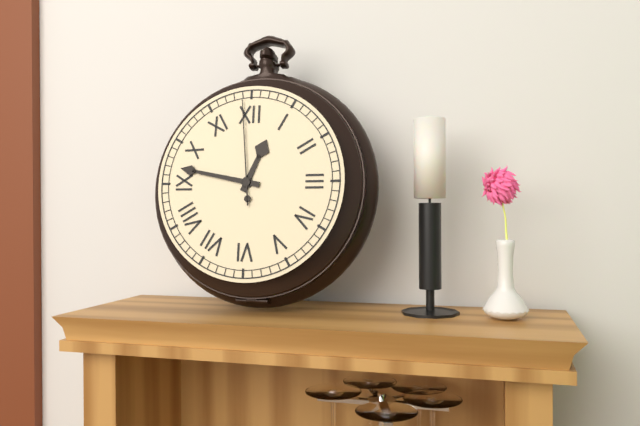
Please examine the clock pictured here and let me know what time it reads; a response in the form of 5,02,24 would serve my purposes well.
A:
12,47,59
